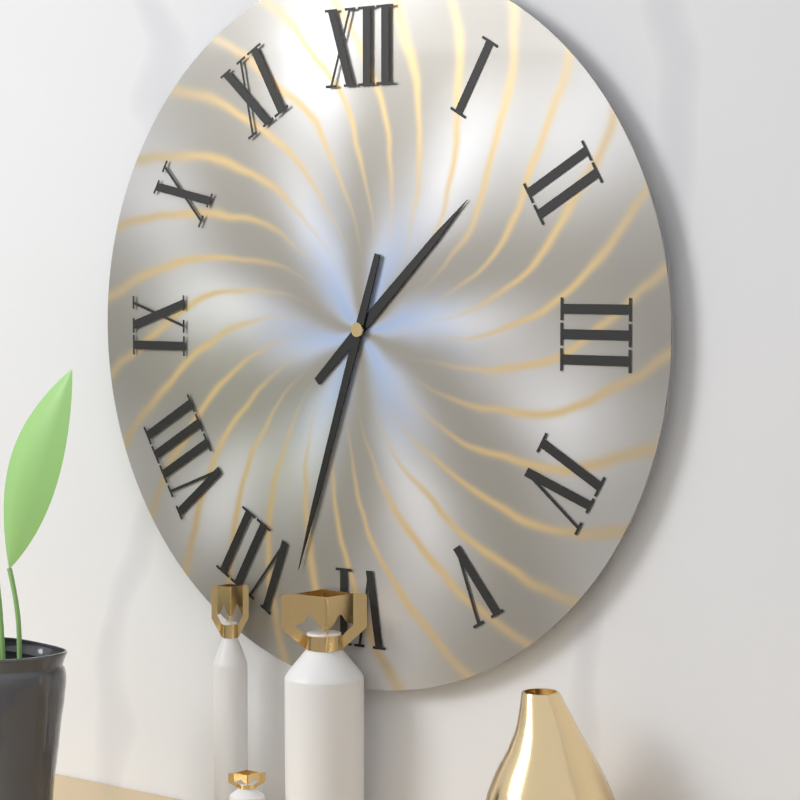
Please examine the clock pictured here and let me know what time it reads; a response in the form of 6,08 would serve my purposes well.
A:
1,33
